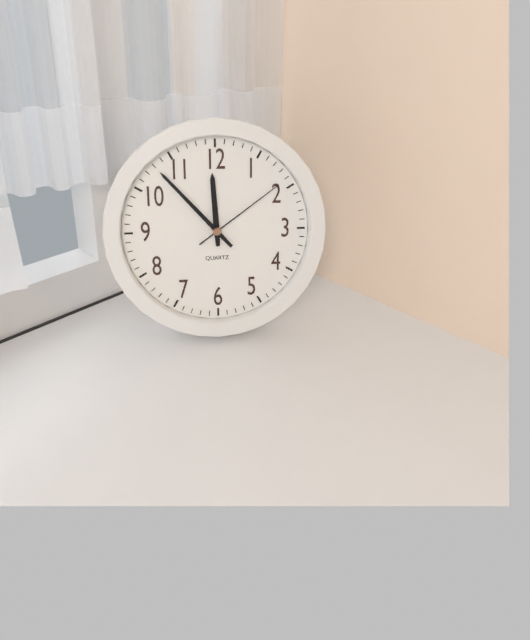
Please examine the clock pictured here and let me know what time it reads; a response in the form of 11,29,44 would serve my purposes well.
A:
11,53,09
